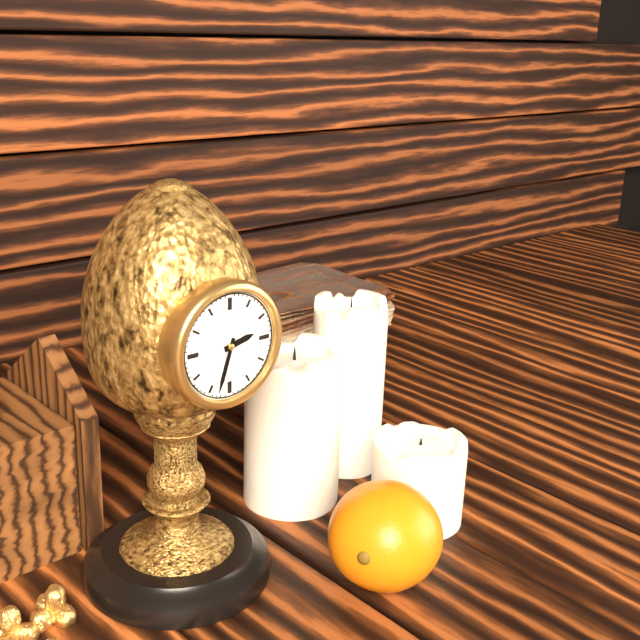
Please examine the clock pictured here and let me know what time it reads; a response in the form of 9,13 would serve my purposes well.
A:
2,33
